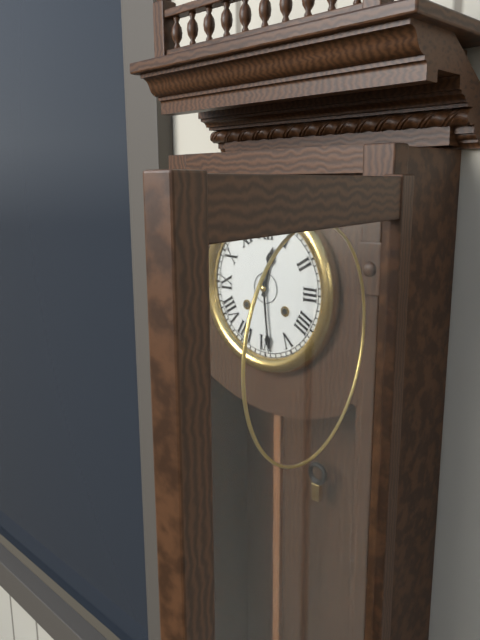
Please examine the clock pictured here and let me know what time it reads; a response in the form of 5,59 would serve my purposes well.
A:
12,29
